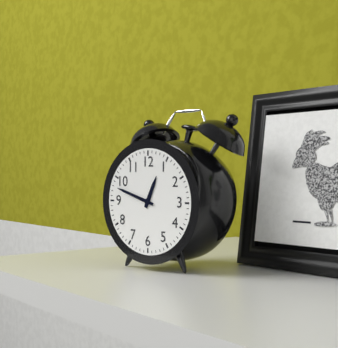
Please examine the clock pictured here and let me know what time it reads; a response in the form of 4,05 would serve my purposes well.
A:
12,48
